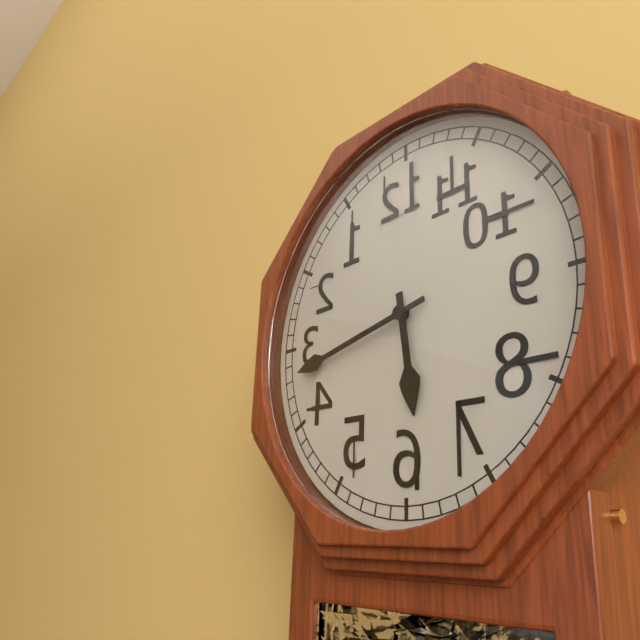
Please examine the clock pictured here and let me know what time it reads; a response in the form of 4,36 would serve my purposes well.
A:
5,43
